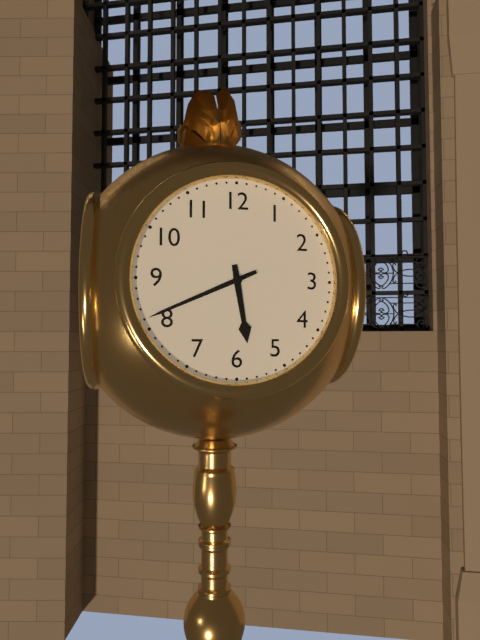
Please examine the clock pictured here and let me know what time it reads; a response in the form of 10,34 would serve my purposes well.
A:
5,41
